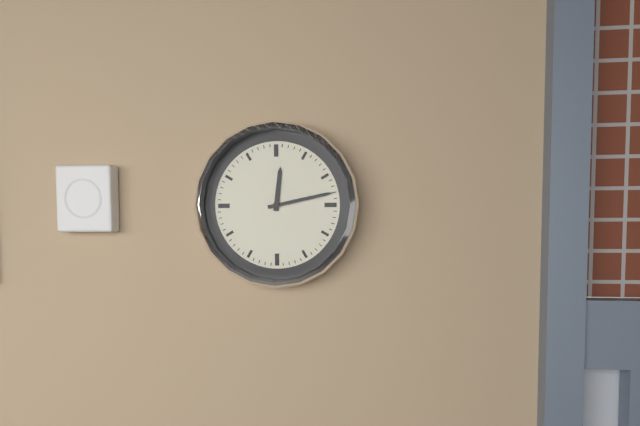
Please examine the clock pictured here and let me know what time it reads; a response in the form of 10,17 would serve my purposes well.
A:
12,13
